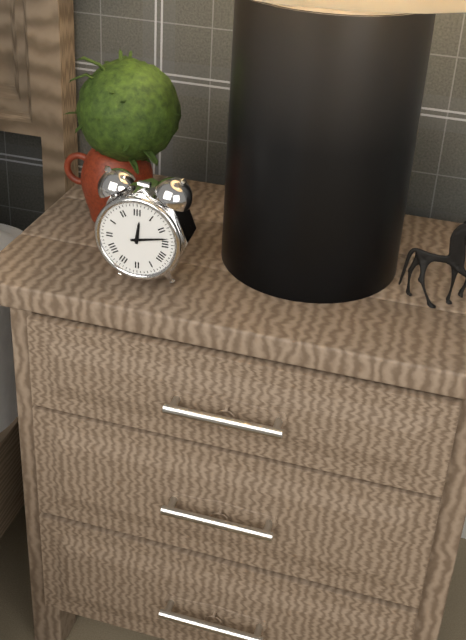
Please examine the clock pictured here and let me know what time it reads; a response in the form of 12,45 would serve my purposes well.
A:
12,13
